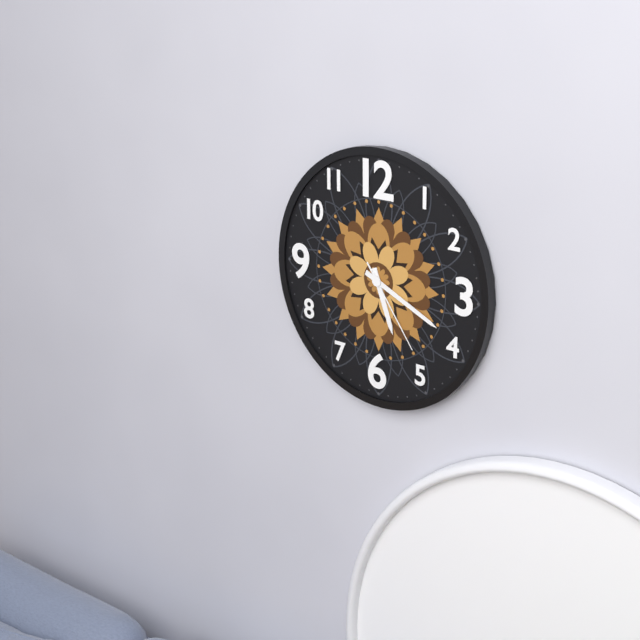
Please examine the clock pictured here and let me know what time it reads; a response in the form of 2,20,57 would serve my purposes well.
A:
5,19,24
